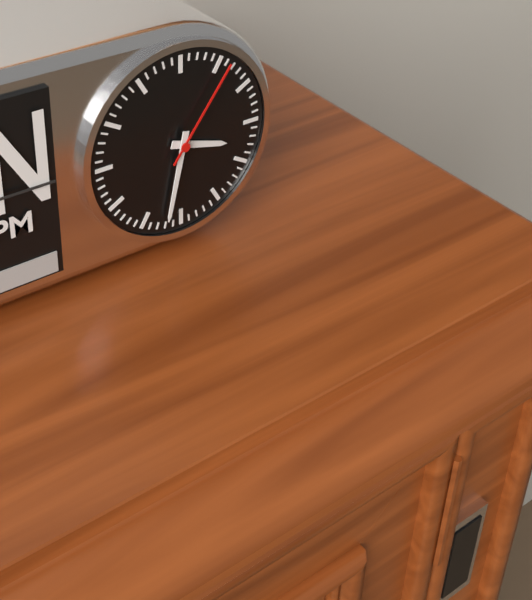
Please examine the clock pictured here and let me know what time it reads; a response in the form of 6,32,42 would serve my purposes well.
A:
3,32,06
